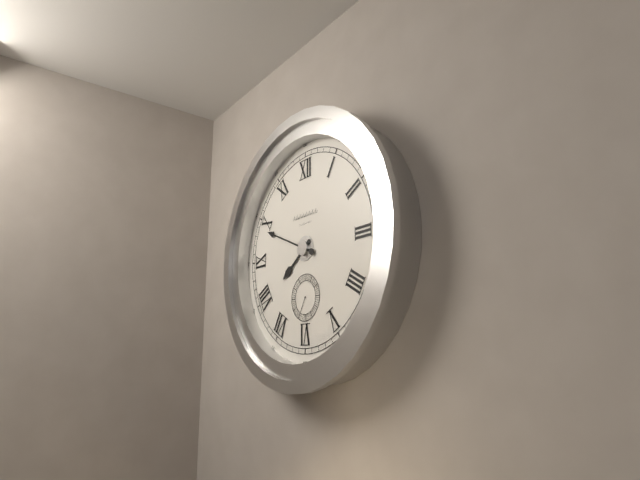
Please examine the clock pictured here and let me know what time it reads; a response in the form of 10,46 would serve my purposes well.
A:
7,49
